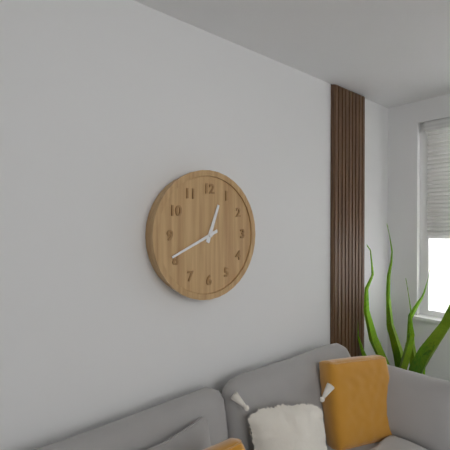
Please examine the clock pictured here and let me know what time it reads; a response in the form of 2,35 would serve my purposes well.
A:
12,41
